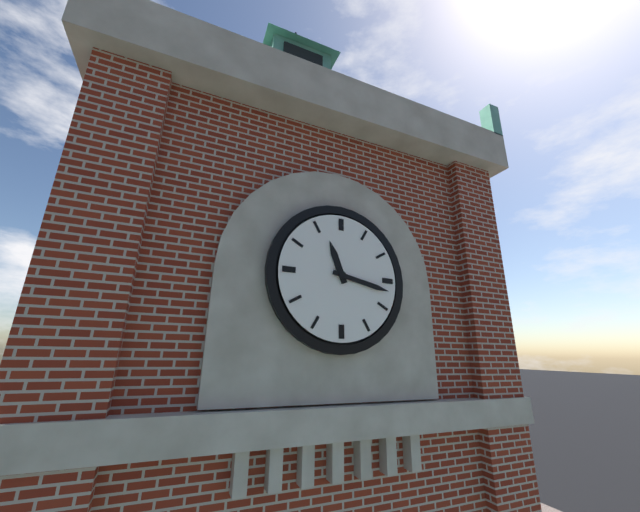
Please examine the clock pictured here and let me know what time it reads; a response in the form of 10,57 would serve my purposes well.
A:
11,17
